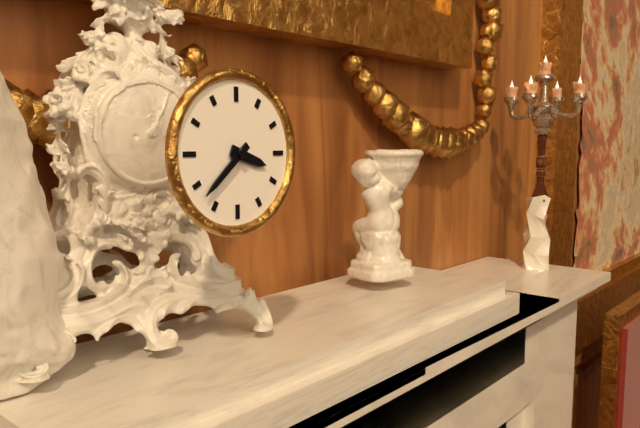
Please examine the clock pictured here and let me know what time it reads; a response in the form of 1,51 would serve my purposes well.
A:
3,38
